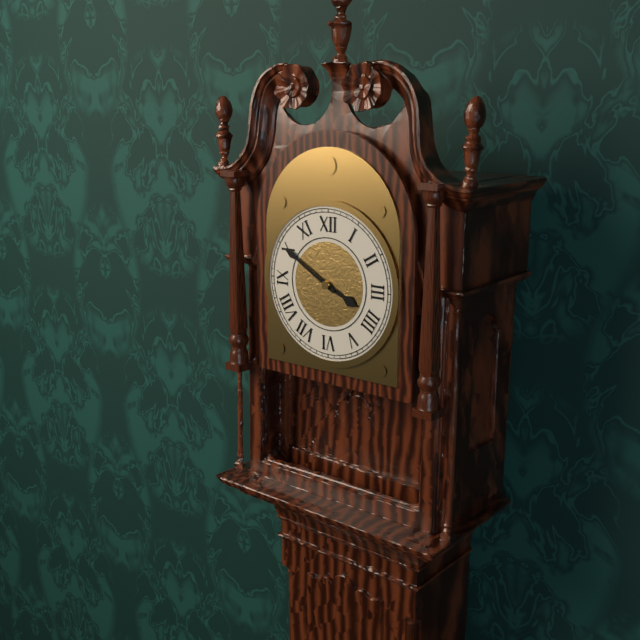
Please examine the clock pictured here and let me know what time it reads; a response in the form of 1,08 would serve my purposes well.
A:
3,50
